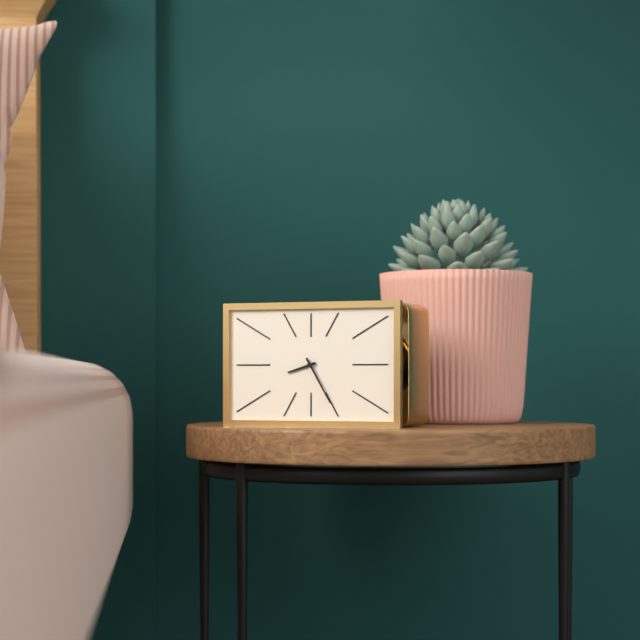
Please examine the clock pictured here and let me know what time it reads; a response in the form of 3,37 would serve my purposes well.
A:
8,25
